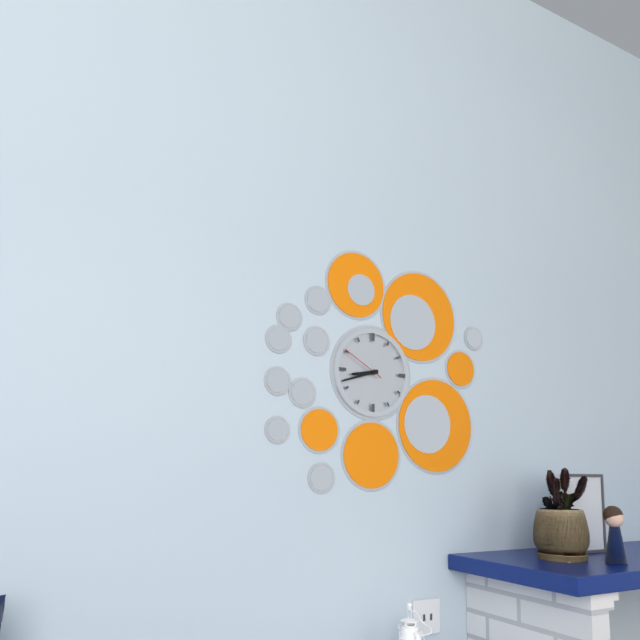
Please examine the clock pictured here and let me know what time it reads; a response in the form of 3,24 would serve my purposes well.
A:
8,42
